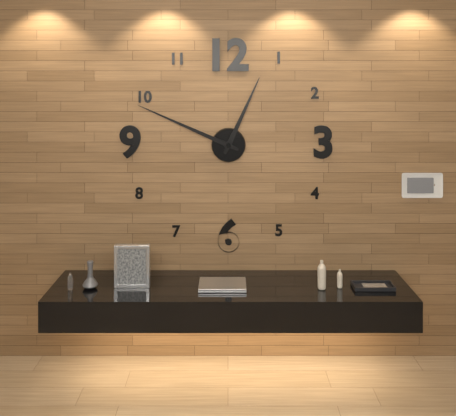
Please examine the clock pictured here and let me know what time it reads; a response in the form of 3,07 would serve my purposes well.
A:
12,49
